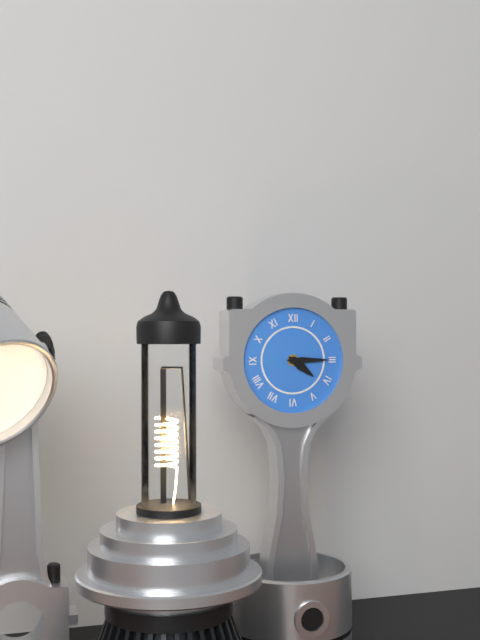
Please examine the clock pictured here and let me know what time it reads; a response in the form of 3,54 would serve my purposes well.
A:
4,15
